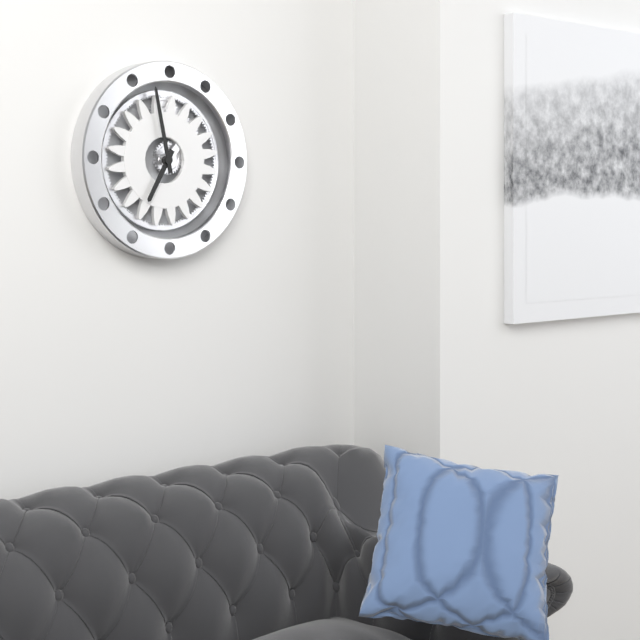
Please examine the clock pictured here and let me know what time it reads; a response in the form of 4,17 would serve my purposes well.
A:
6,58
